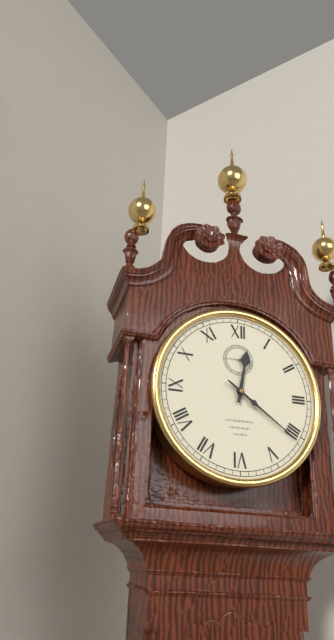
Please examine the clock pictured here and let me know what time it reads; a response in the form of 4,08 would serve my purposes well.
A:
12,21
